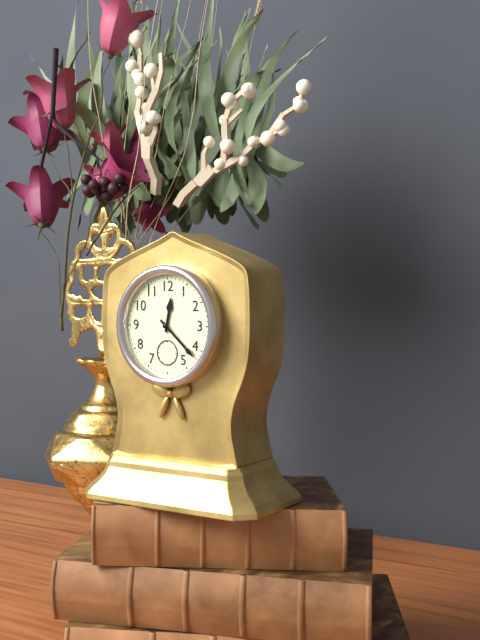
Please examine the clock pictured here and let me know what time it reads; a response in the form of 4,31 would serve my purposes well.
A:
12,22
